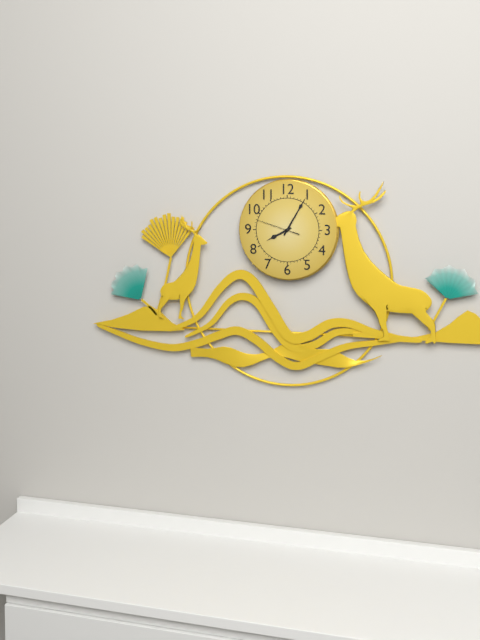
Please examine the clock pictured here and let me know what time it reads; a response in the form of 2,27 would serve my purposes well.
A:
8,05
